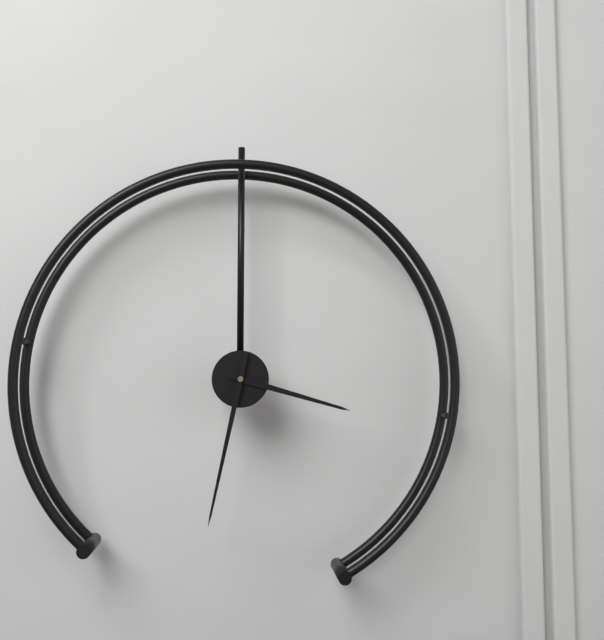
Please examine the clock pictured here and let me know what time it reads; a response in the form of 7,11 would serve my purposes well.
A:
3,32
